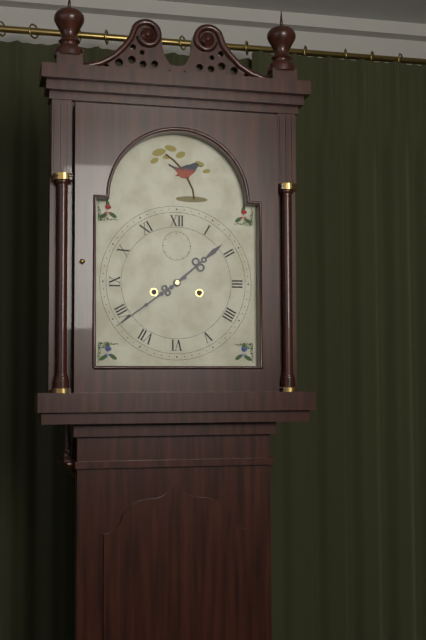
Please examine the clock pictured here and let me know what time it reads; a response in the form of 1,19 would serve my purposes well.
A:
1,39
